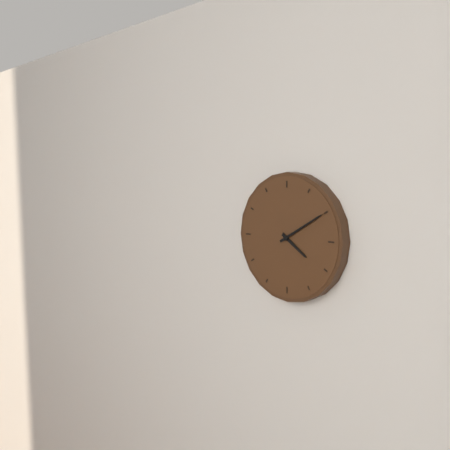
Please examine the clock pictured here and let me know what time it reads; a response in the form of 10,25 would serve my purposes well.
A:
4,10
